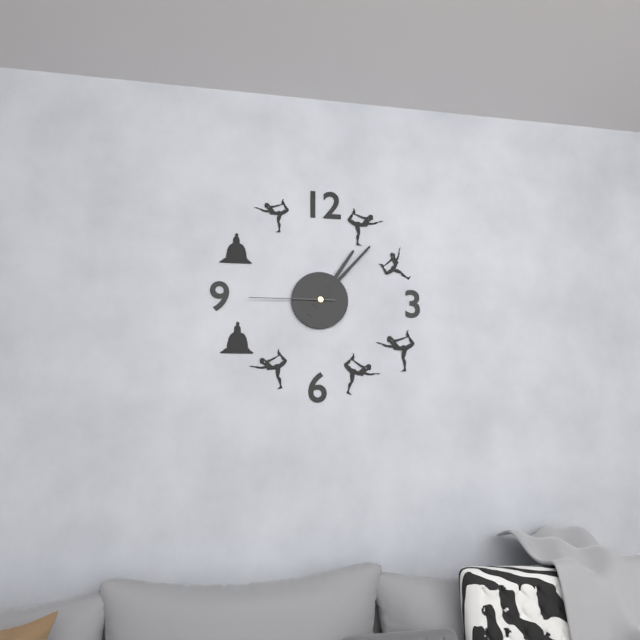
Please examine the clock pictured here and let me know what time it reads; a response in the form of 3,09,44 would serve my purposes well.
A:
1,07,45
